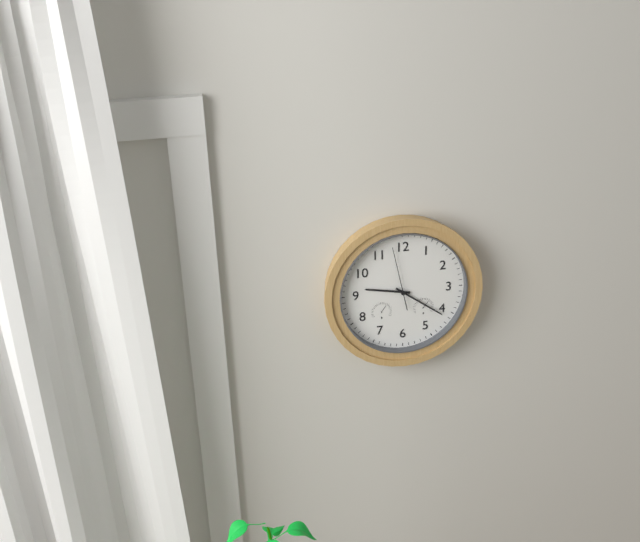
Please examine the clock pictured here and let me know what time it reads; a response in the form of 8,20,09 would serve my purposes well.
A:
9,21,58
